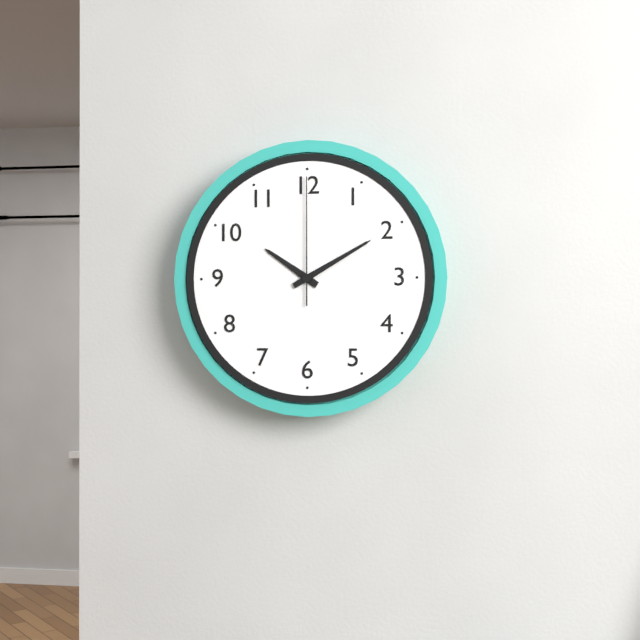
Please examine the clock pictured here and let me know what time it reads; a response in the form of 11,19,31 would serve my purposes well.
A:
10,10,00
